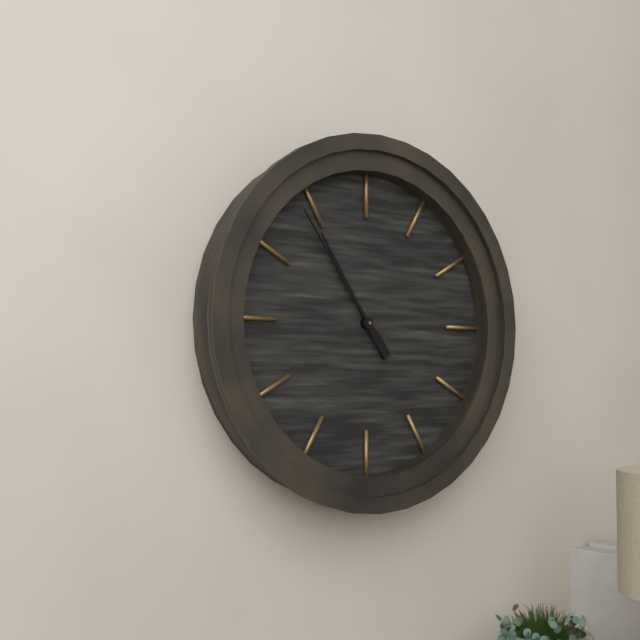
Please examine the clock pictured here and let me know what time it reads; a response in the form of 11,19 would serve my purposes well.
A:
10,54
